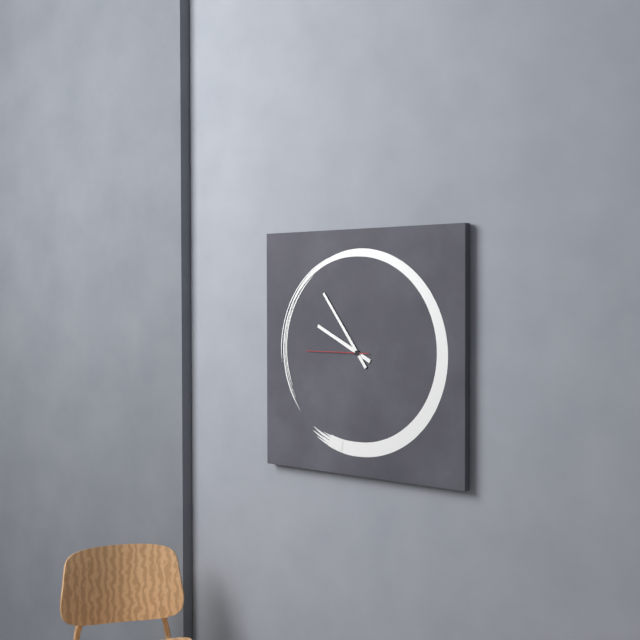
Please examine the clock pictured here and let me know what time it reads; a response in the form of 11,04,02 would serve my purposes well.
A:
9,54,45
